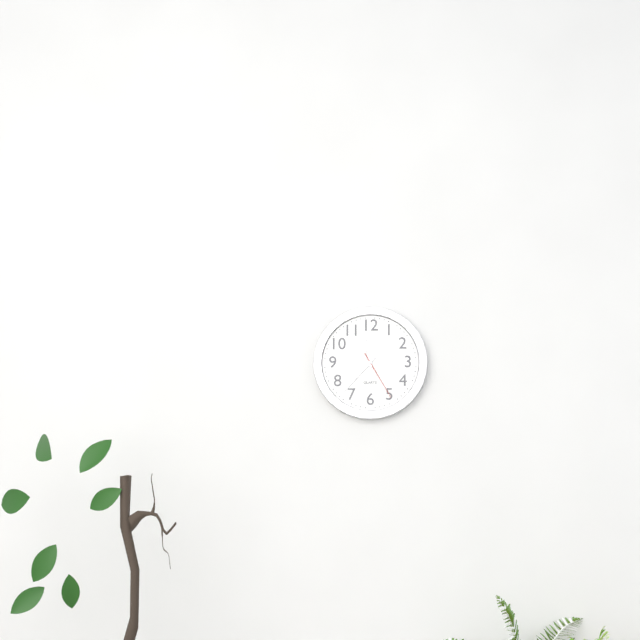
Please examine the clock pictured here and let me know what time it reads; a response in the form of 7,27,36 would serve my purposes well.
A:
11,37,25
